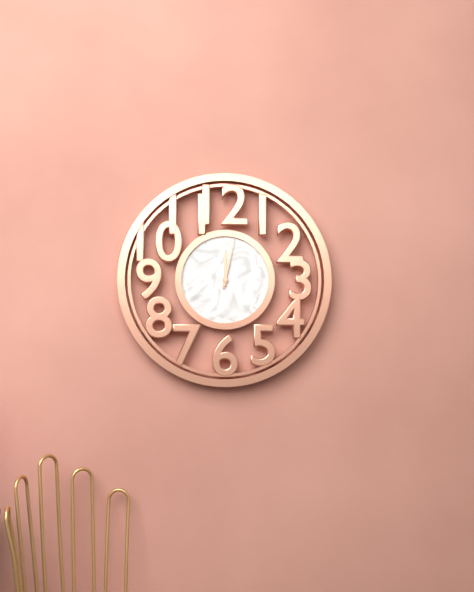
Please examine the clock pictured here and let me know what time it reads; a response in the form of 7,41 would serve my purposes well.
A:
12,02
